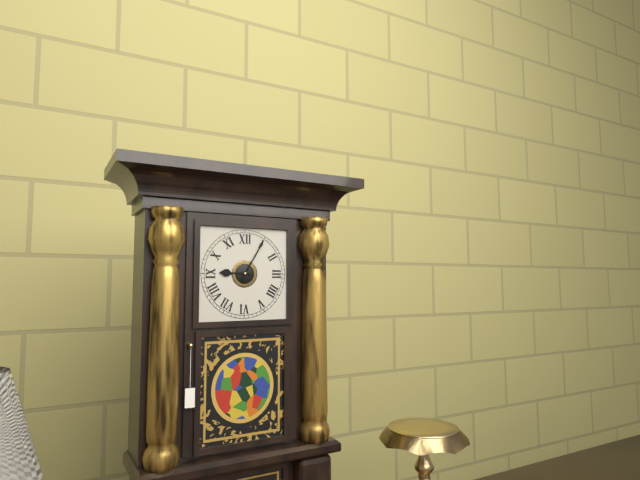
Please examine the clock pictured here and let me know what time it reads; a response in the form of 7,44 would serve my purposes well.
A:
9,05
